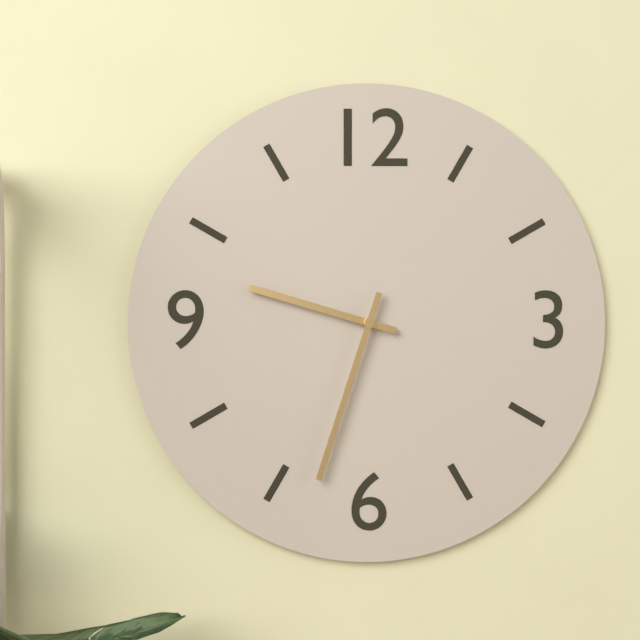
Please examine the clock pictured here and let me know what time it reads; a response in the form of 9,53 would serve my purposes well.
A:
9,33
